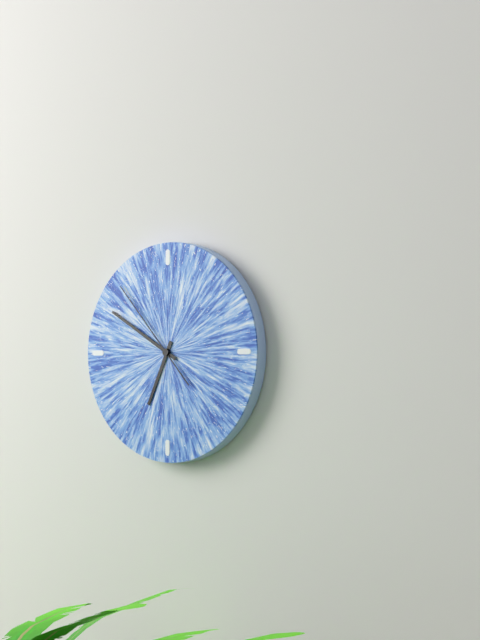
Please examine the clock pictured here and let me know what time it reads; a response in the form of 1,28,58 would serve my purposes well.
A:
6,50,53
